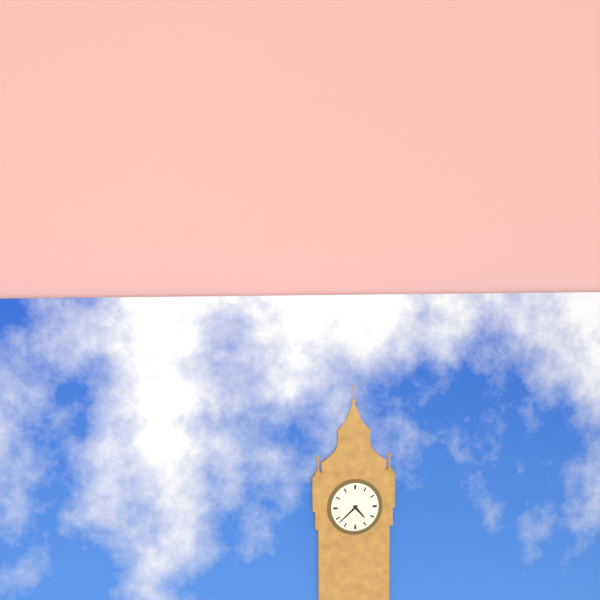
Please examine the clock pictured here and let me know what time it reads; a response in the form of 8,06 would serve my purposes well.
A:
4,38
